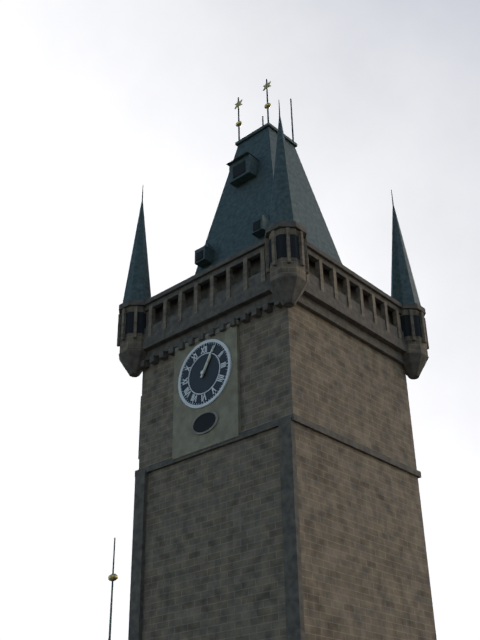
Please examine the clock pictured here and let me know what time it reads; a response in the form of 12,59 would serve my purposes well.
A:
1,05
